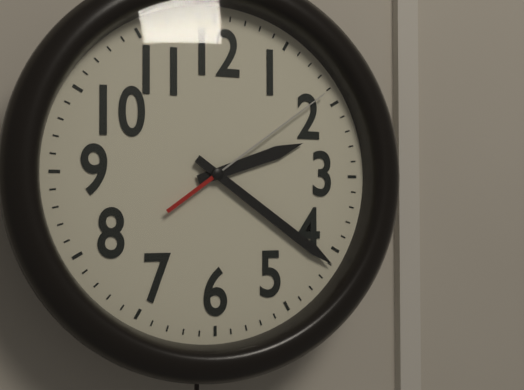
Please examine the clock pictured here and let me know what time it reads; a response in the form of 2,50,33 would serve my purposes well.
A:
2,21,09
